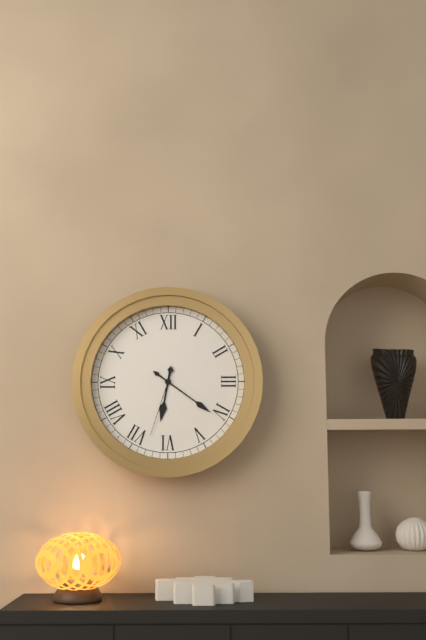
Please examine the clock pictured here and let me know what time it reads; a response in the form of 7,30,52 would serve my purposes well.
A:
6,21,33
